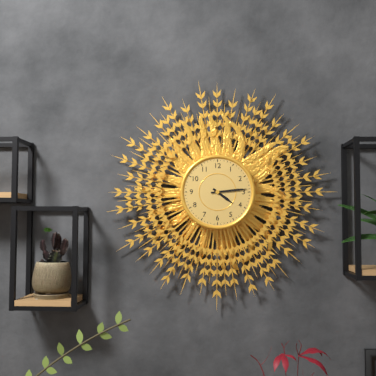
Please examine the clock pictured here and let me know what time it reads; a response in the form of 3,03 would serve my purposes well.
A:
4,14
